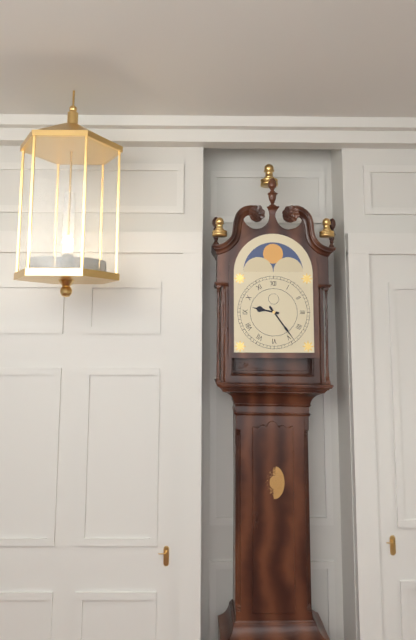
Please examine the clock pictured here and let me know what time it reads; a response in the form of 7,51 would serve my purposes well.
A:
9,24
